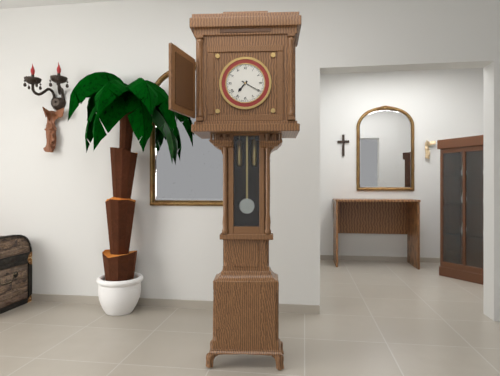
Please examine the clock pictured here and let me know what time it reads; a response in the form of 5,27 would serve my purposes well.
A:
7,20
